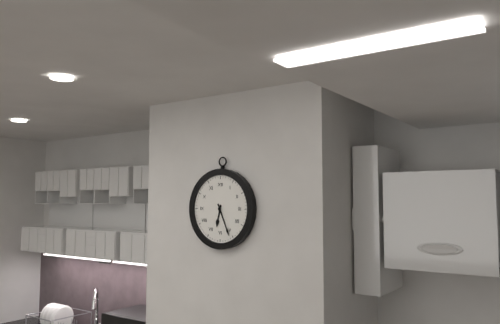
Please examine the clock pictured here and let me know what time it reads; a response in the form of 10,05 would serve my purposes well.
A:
6,26
